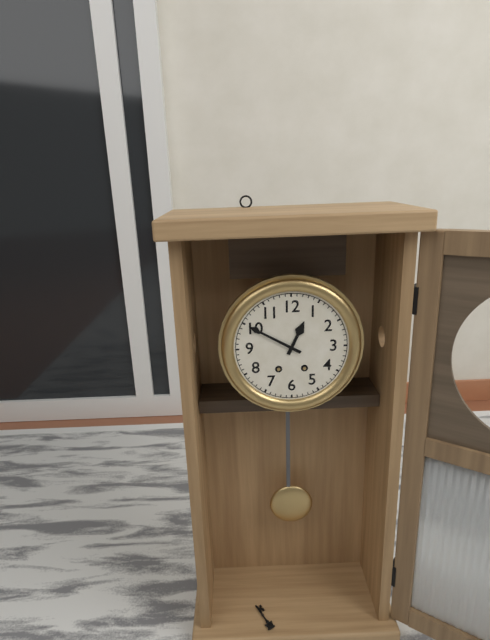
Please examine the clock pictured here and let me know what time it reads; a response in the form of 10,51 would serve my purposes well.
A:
12,50
